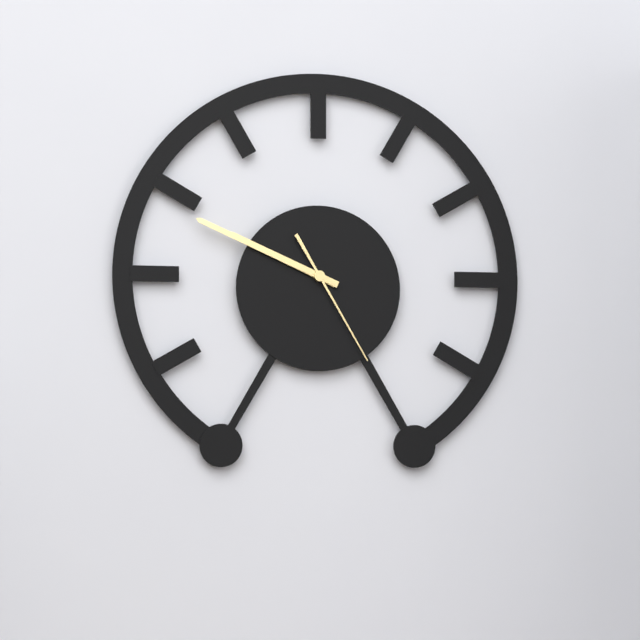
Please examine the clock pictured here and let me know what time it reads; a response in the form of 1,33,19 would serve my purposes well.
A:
9,49,25
